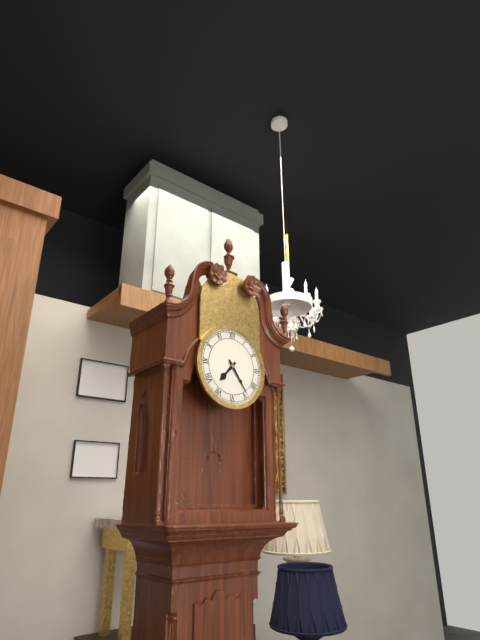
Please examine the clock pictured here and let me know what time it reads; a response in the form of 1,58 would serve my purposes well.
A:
7,24
